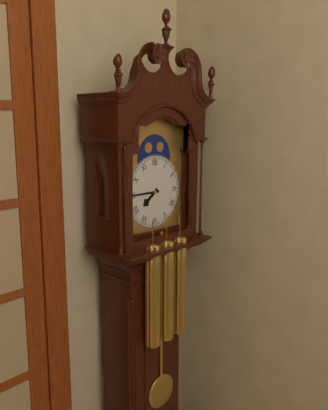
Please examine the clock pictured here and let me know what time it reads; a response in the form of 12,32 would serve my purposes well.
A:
7,45
